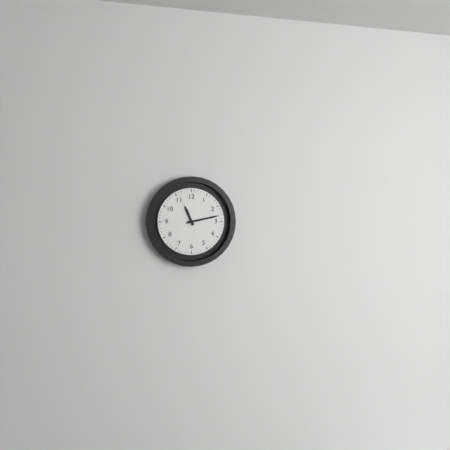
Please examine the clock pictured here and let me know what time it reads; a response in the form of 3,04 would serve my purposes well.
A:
11,13
